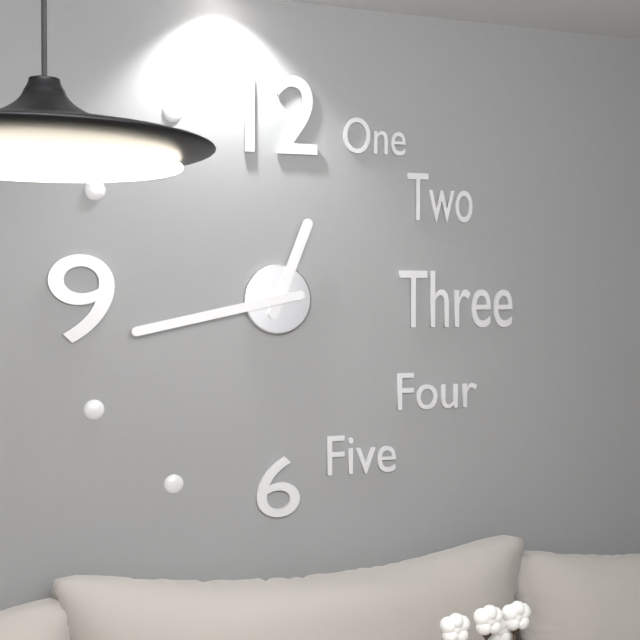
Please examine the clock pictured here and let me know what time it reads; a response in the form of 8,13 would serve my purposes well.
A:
12,43
